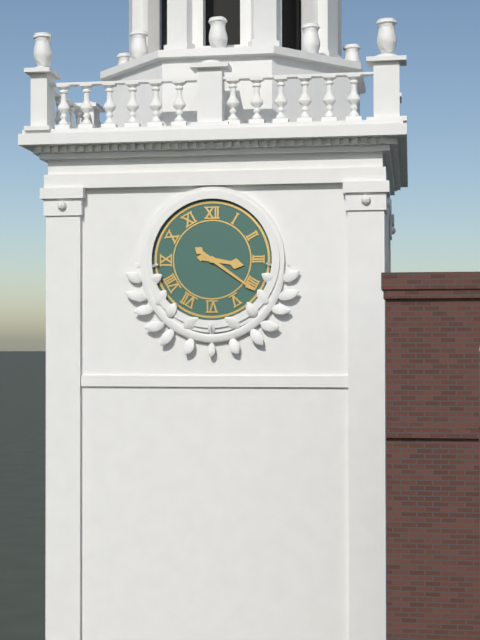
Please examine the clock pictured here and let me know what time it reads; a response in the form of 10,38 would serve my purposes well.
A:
3,21
